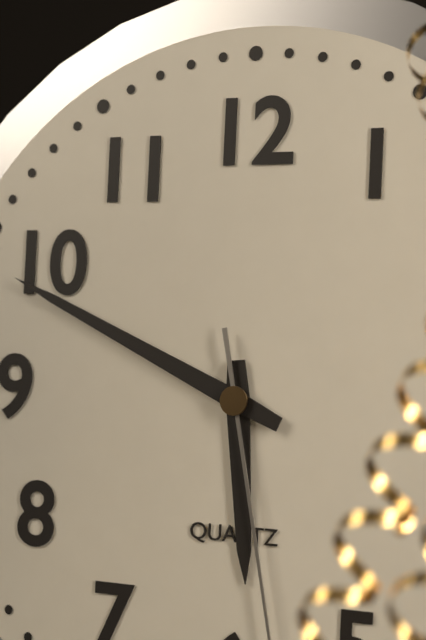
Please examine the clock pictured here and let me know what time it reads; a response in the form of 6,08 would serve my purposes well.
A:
5,49
